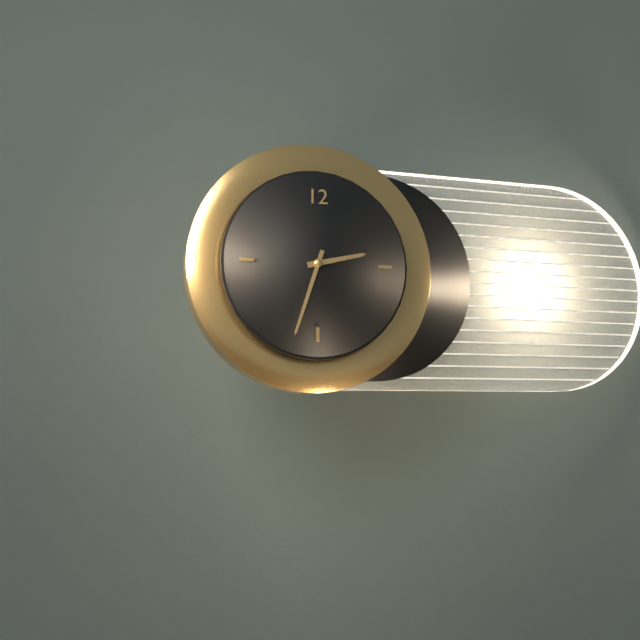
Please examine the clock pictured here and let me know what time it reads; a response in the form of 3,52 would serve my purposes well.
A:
2,33
